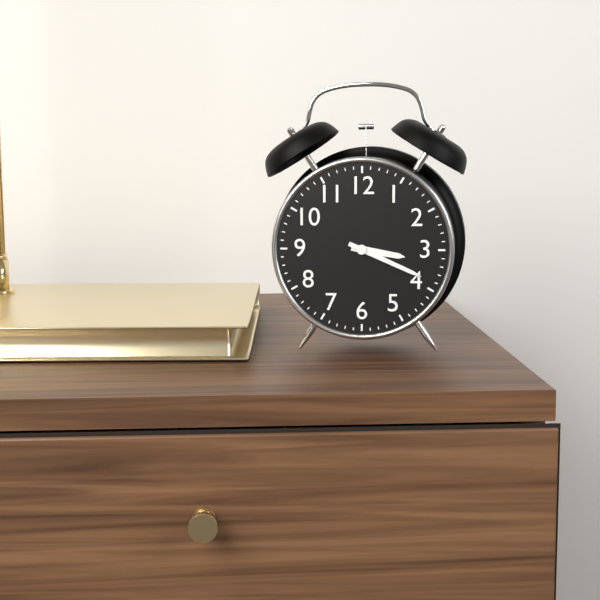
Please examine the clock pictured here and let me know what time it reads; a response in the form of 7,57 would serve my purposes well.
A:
3,19
